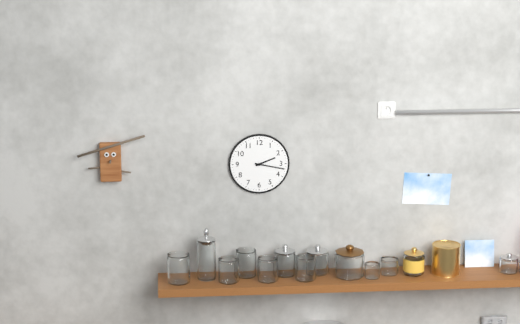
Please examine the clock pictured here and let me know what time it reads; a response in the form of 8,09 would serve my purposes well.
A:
2,17
